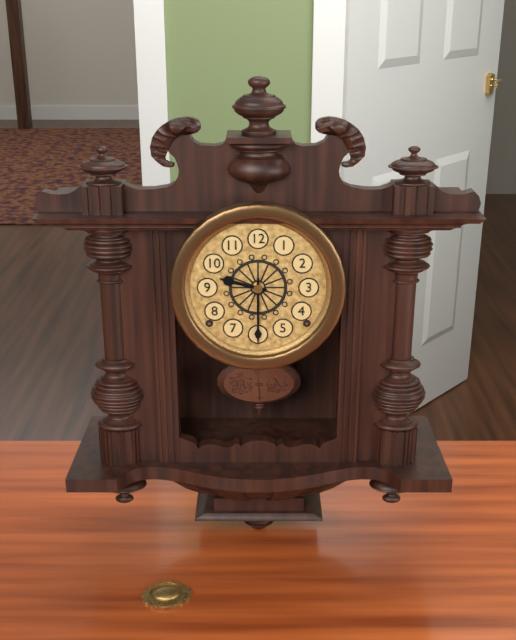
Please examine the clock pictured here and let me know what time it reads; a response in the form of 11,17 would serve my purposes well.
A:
9,30
